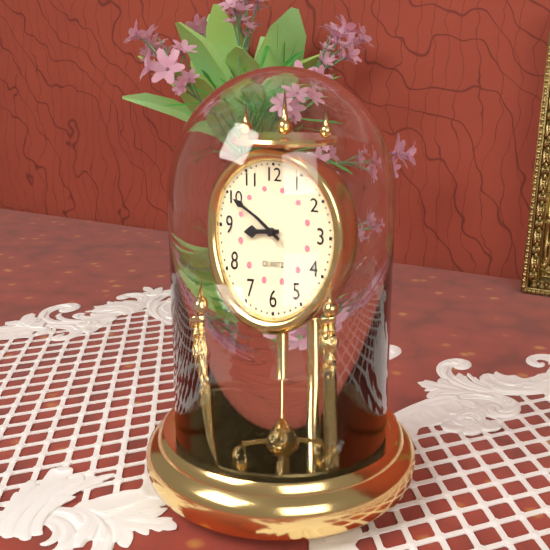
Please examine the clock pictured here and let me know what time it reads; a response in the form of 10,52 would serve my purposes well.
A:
8,50
